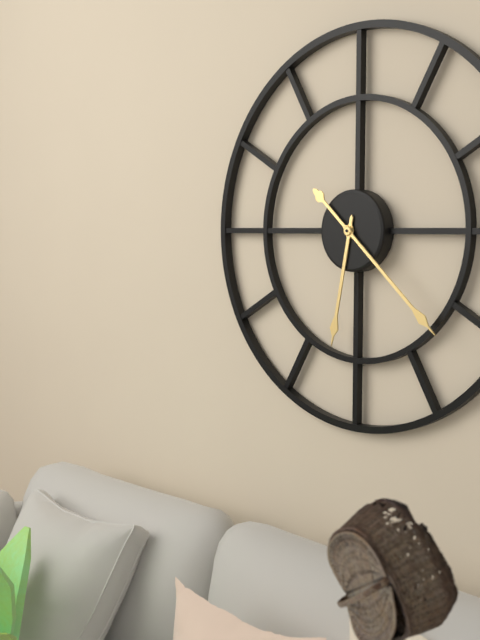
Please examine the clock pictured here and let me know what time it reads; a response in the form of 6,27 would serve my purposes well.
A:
6,22
